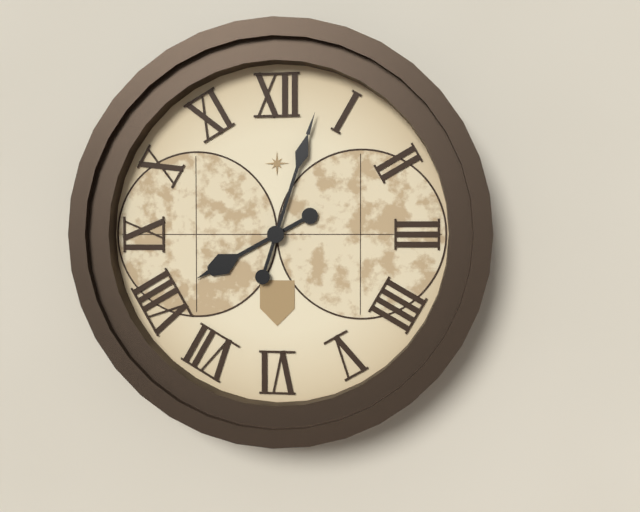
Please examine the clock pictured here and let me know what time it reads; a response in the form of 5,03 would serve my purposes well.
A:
8,03
